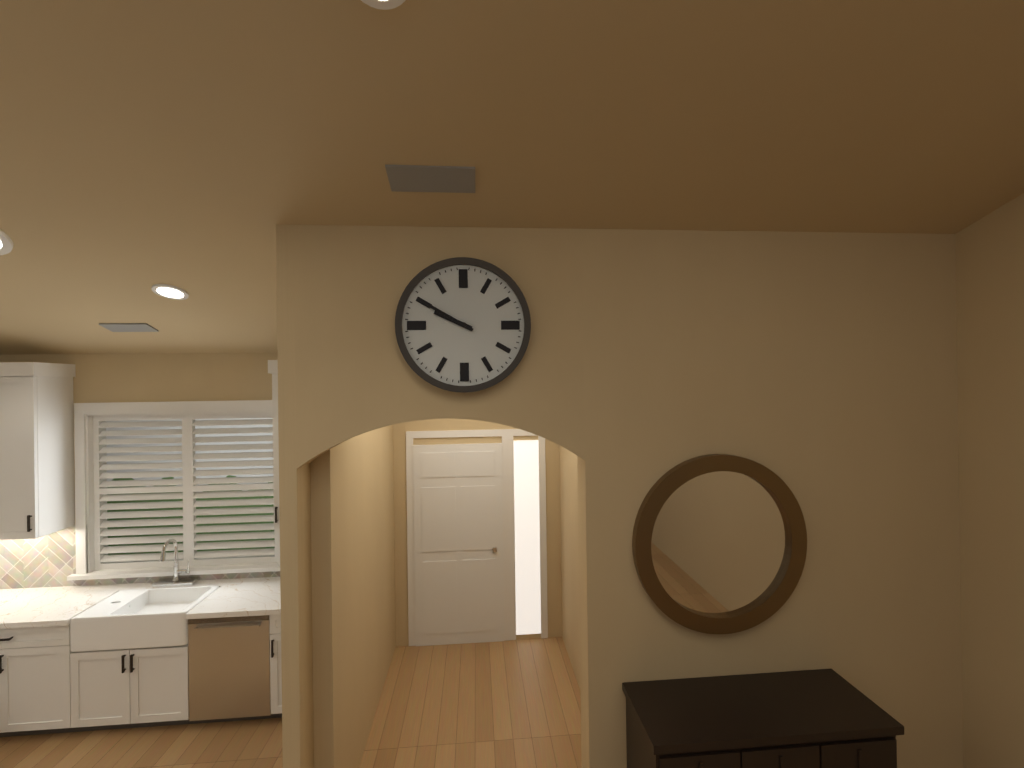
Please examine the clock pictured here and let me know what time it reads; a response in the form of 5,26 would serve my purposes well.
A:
9,50
